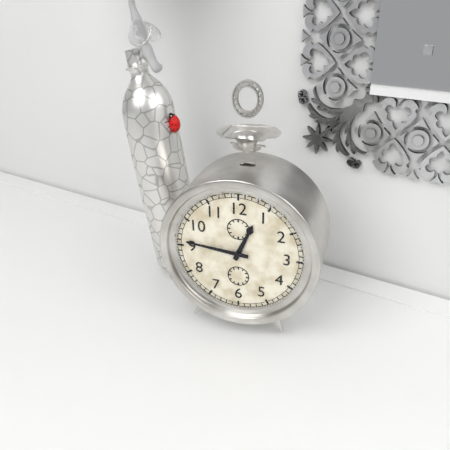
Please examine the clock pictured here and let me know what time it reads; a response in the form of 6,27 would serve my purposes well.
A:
12,46
